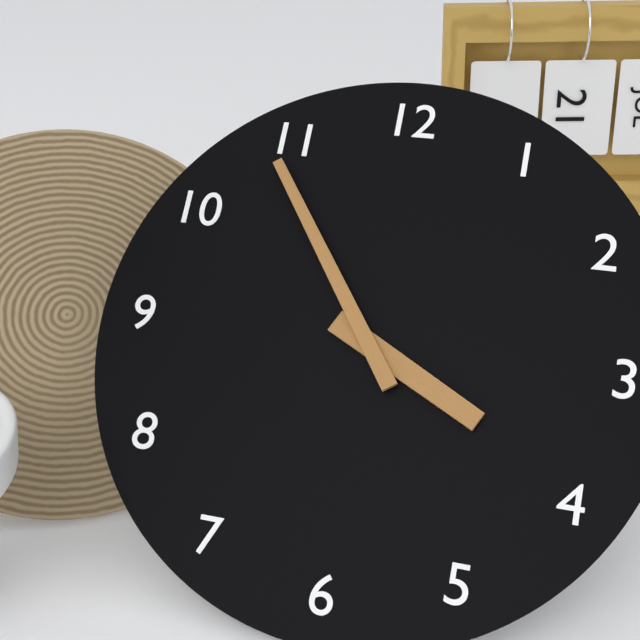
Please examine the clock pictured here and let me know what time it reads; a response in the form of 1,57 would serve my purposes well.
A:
3,54
